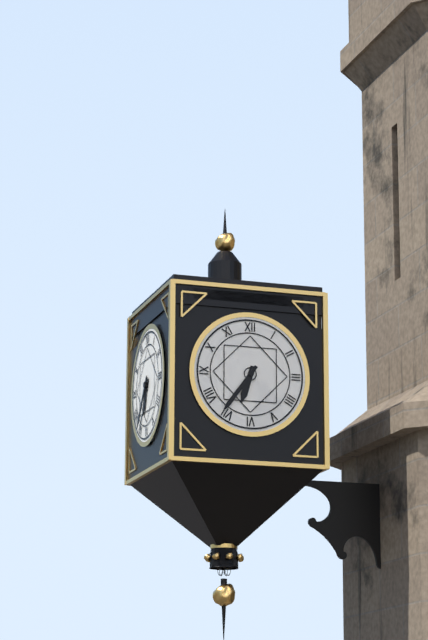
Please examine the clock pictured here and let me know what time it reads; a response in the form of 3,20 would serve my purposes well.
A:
6,36
